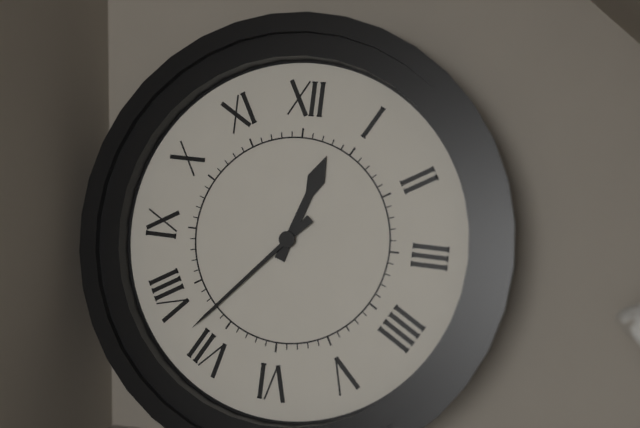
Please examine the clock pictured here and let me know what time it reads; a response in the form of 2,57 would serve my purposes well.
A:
12,37
